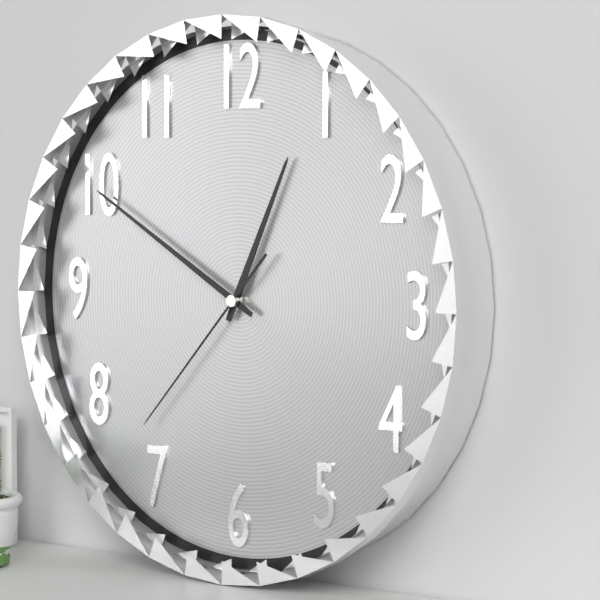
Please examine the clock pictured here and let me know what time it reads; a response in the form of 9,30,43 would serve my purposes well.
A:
12,50,37
